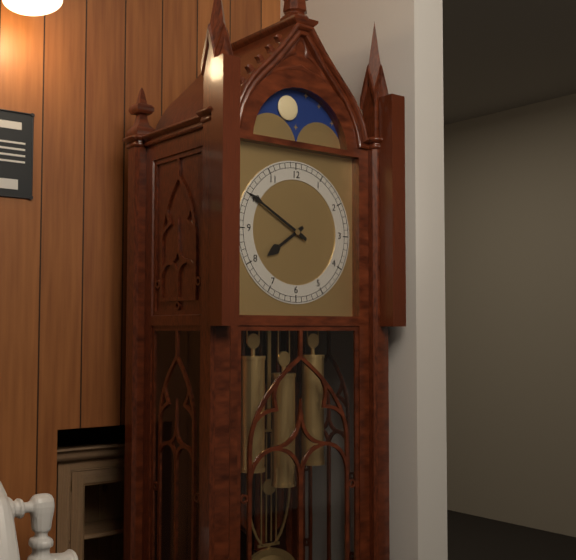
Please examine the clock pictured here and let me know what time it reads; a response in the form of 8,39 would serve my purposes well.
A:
7,50
